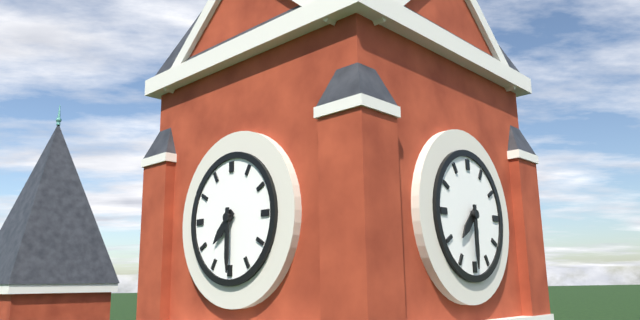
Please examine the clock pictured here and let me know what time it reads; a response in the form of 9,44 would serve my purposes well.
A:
7,30
